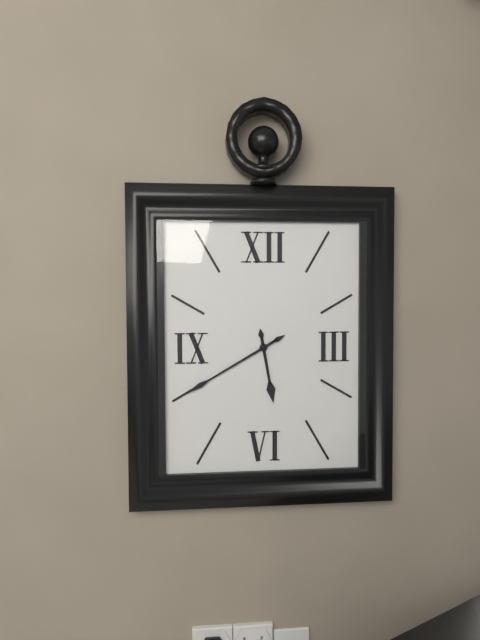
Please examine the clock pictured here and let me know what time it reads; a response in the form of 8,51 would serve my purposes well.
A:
5,40
